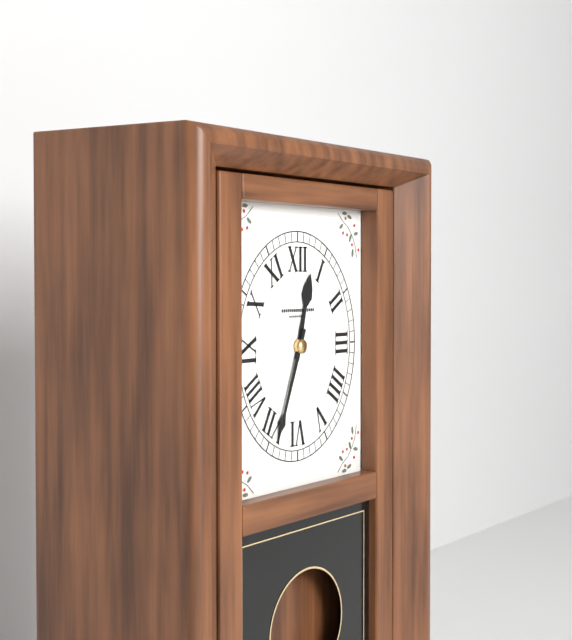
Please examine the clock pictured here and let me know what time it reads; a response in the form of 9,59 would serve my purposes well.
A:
12,34
